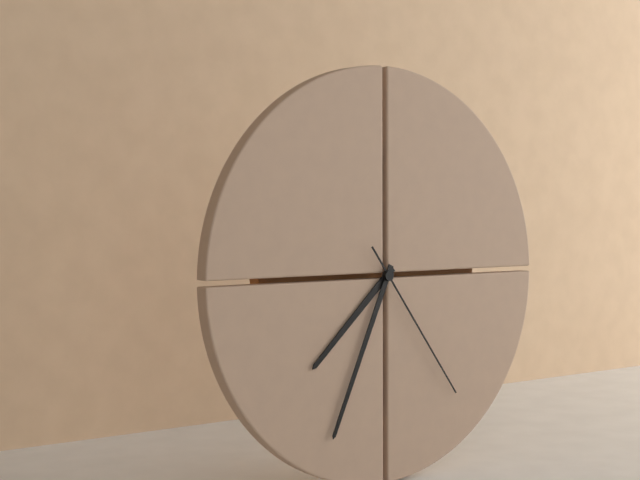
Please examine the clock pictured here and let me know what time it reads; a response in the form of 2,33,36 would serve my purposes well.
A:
7,34,24
